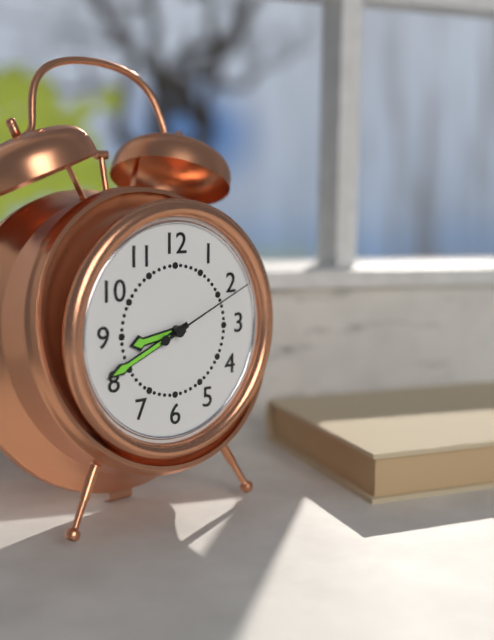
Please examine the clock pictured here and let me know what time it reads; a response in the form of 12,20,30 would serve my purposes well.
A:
8,41,11
